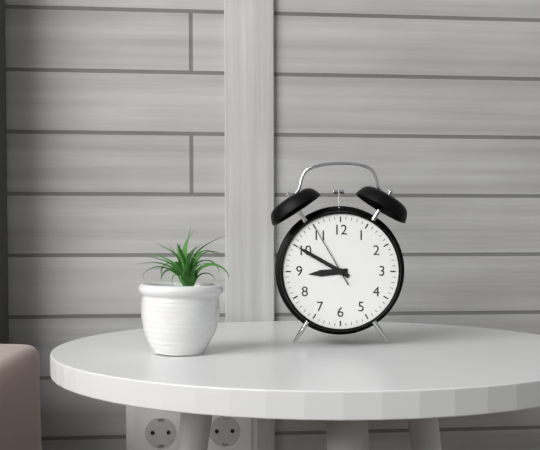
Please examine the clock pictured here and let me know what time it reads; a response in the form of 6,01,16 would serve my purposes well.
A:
8,50,55
